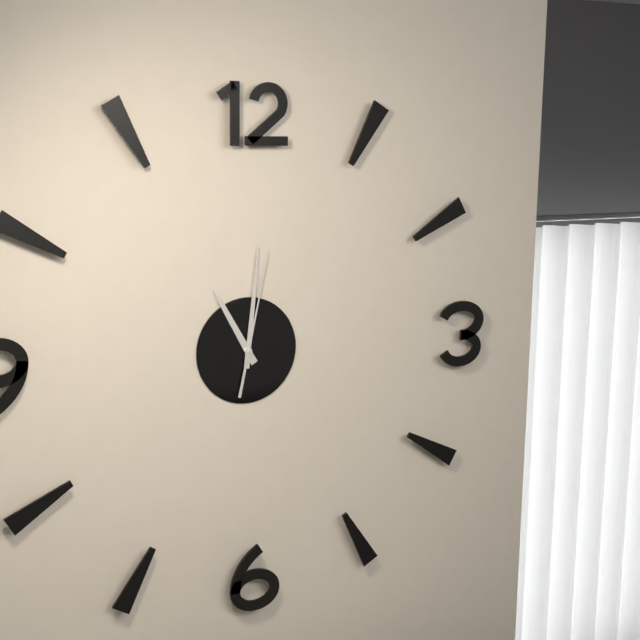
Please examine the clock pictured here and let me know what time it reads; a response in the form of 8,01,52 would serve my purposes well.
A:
11,01,02
